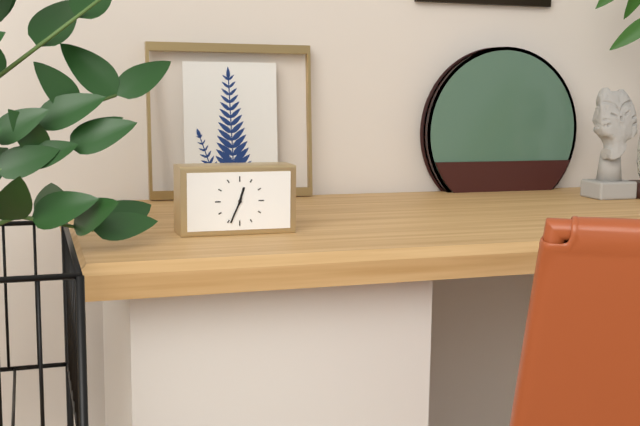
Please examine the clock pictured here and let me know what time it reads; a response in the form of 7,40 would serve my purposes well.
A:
12,34
